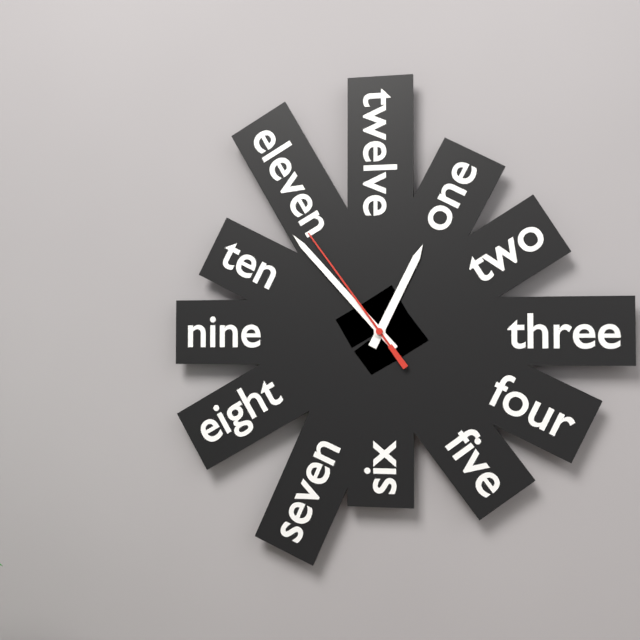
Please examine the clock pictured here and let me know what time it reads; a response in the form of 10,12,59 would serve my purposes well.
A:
12,53,54
